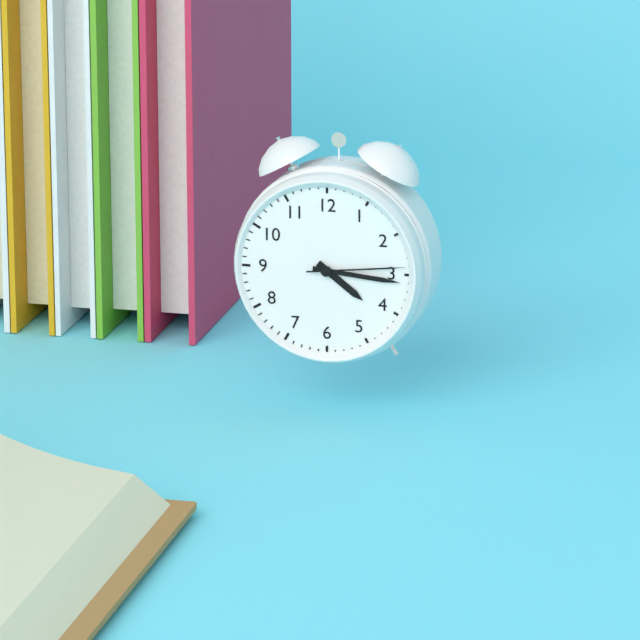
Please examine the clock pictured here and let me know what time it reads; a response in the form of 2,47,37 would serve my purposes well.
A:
4,16,14
